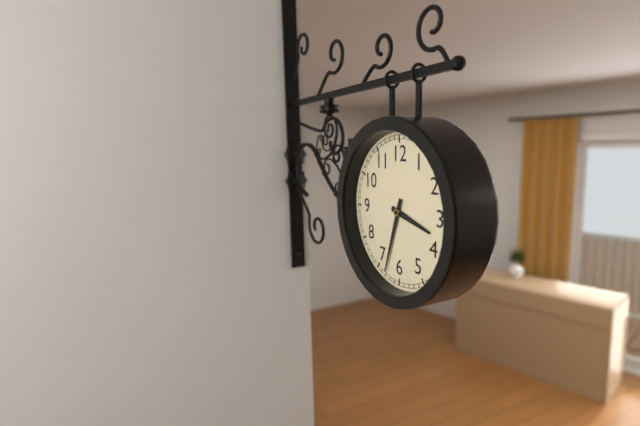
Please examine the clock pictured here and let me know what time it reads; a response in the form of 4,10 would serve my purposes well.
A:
3,33
